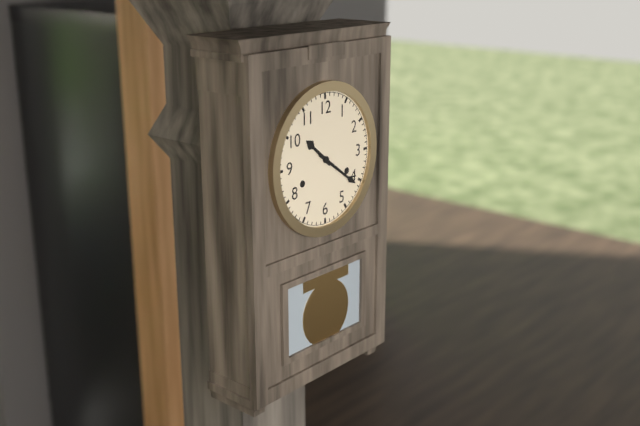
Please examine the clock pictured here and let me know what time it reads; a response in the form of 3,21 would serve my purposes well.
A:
10,21
